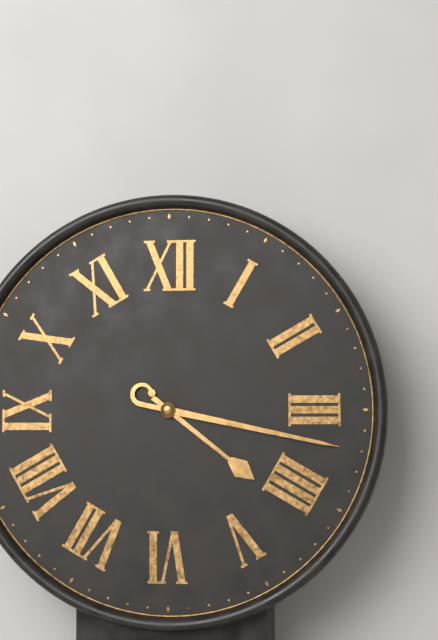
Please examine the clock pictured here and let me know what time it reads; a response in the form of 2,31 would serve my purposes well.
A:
4,17
